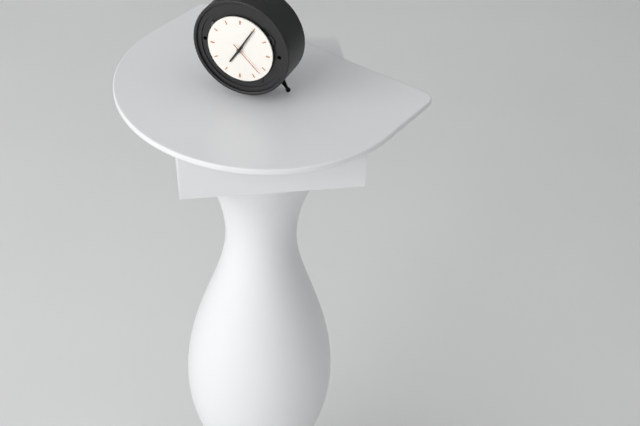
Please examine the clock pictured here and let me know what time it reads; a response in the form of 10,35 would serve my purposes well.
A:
7,05
